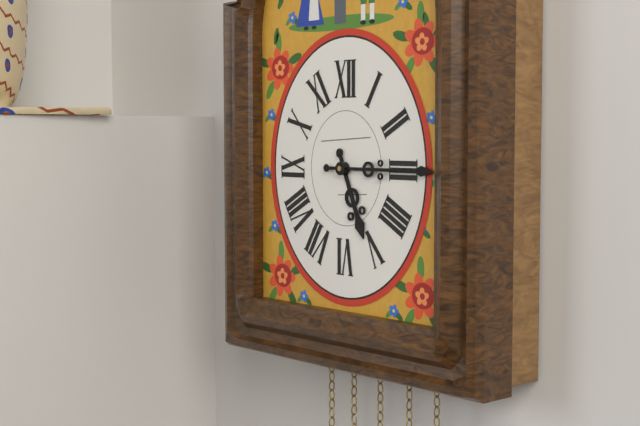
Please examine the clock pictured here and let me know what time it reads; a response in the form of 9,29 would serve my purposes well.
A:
5,15
